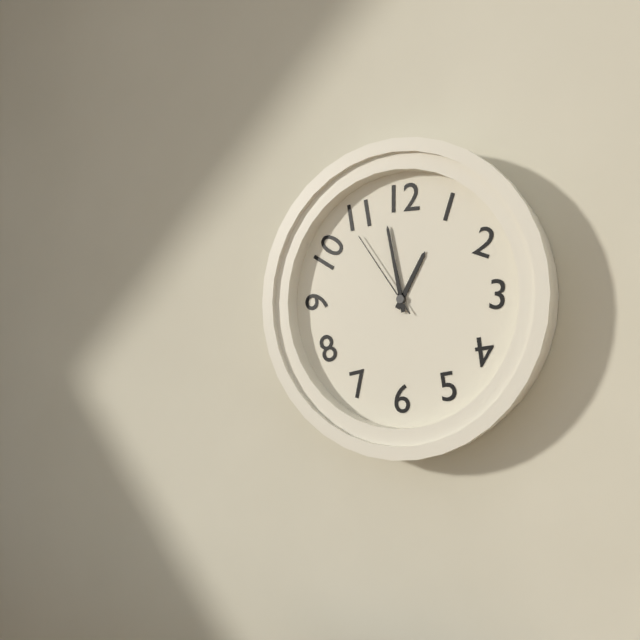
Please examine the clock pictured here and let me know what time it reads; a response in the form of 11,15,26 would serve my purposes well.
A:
12,58,54
